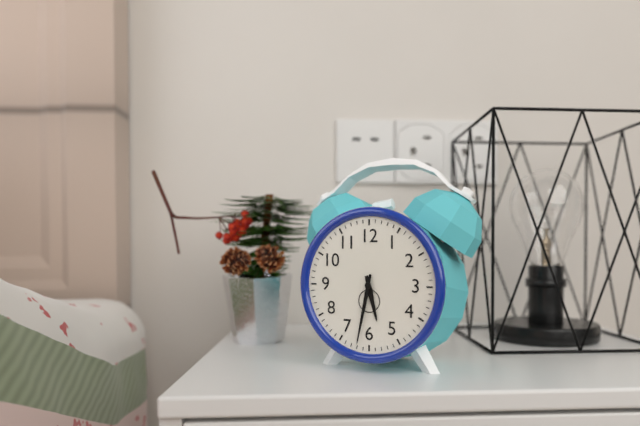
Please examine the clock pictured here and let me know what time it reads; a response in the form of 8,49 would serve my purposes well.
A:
5,32
